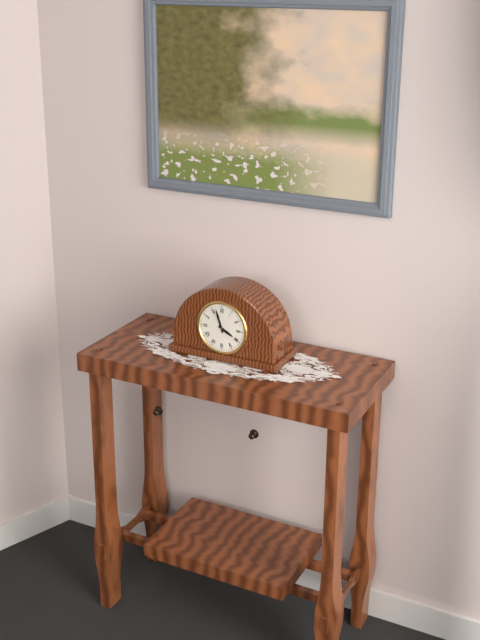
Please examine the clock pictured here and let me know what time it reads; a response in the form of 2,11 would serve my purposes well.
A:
3,57
